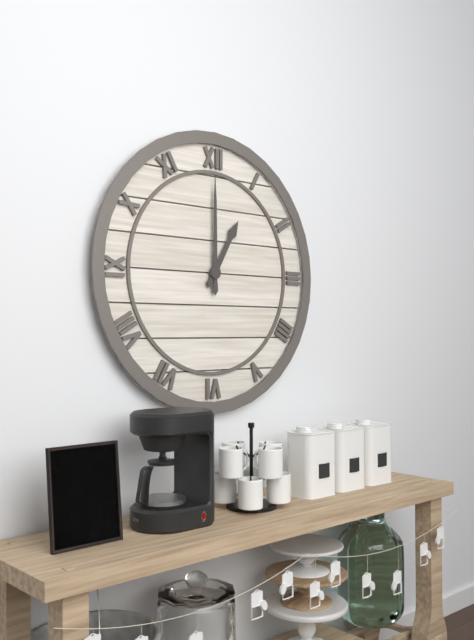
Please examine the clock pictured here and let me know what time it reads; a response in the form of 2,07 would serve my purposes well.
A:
1,00
